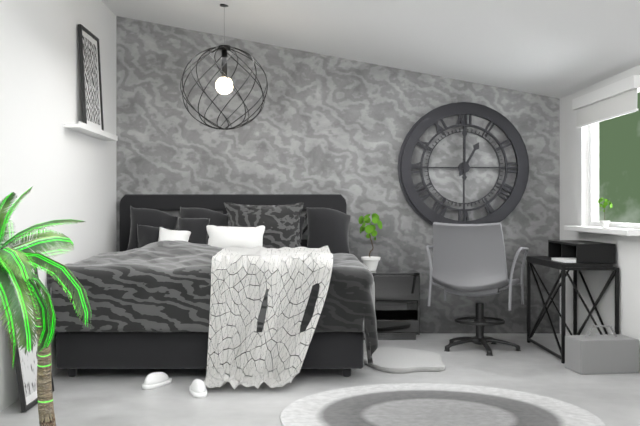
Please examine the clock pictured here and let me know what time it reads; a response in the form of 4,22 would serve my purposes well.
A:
1,00
